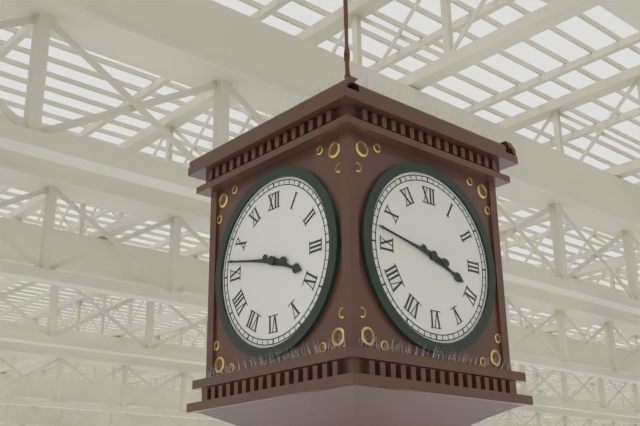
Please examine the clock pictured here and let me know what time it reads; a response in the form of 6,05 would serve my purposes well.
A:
3,47
